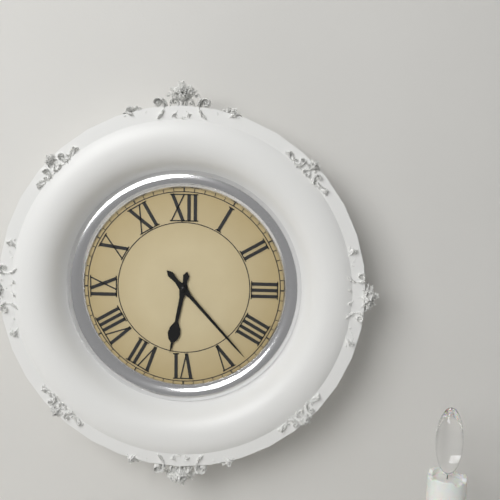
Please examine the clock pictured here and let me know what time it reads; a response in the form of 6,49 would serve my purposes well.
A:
6,23
